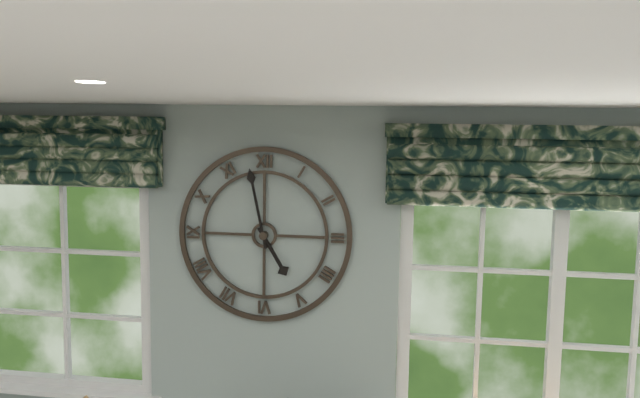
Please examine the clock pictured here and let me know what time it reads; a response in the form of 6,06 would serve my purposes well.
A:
4,58
